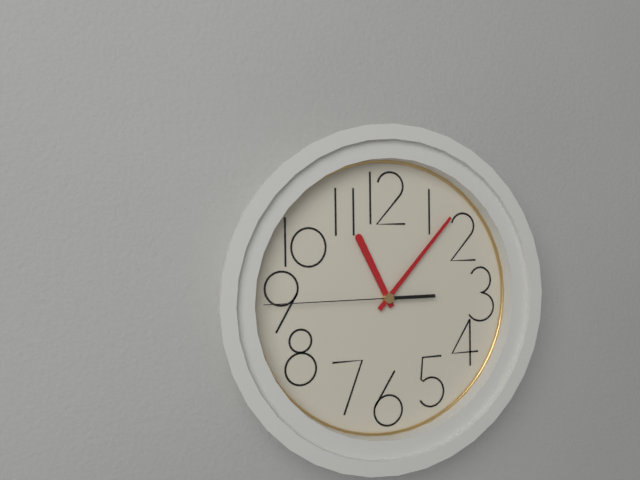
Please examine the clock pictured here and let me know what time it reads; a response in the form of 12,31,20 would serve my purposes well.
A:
11,07,45
